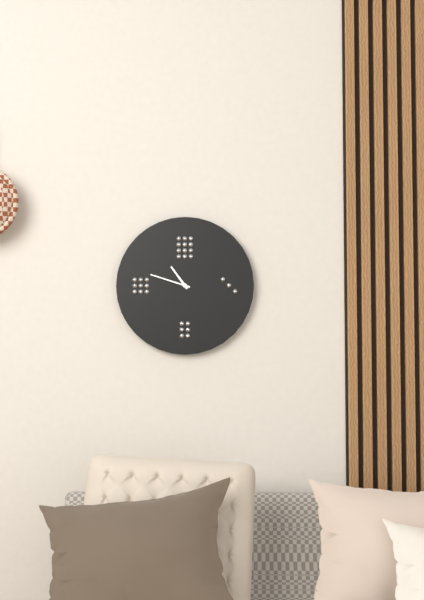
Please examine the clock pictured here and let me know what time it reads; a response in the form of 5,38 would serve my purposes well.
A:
10,48
